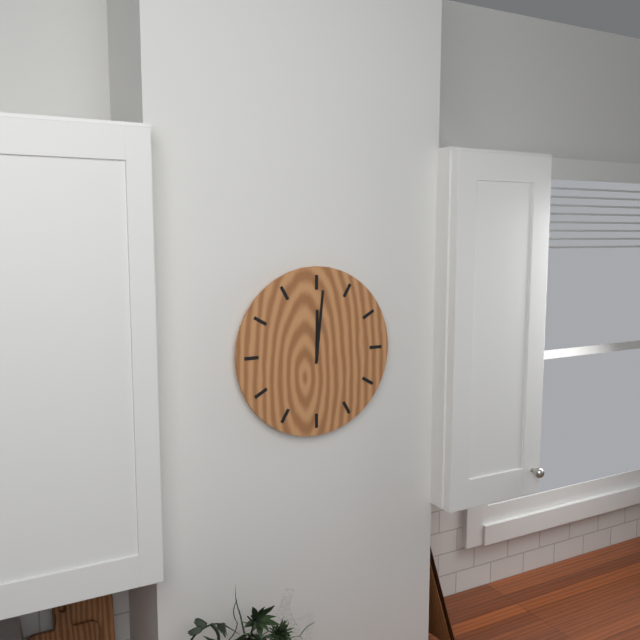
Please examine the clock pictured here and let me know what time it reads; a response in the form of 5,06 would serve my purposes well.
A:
12,01
